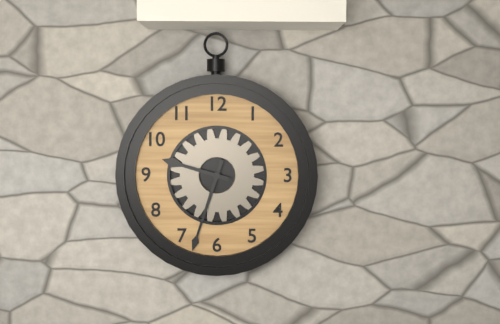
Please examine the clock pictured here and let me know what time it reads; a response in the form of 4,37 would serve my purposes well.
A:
9,33
